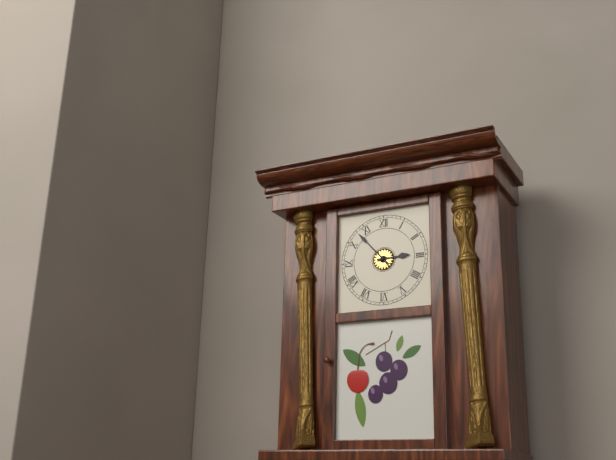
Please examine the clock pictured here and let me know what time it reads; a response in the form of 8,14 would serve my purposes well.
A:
2,53
